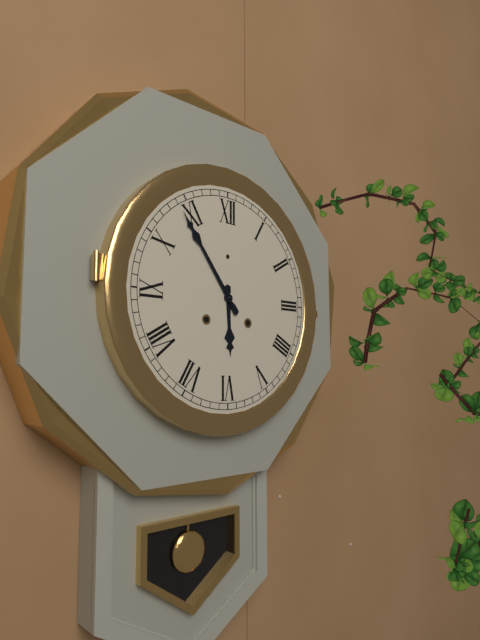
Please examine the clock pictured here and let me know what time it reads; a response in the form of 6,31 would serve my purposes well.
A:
5,54
